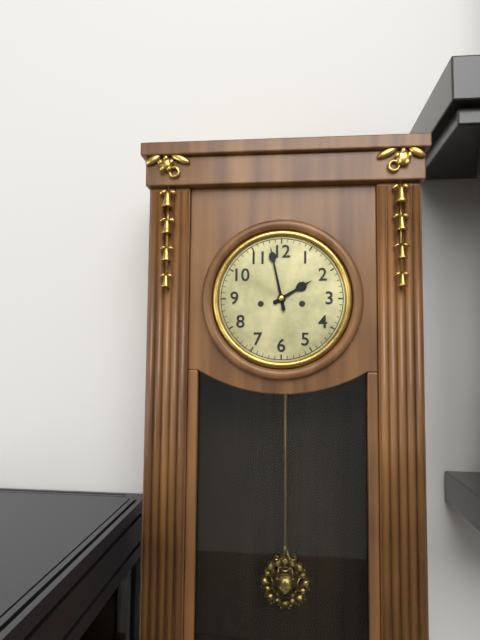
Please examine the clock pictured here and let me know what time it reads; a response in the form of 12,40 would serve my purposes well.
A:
1,58
